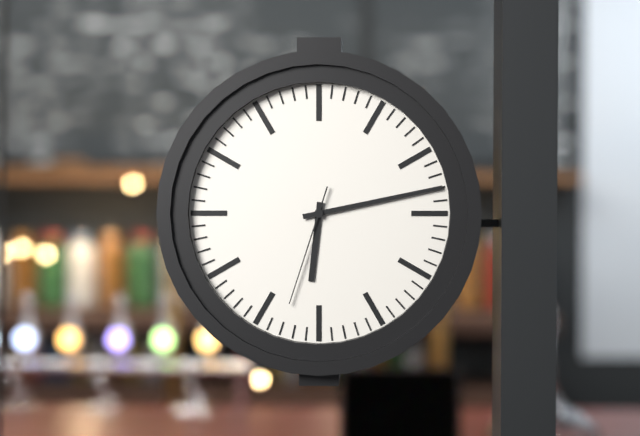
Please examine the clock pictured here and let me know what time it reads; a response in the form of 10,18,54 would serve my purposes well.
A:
6,13,33
